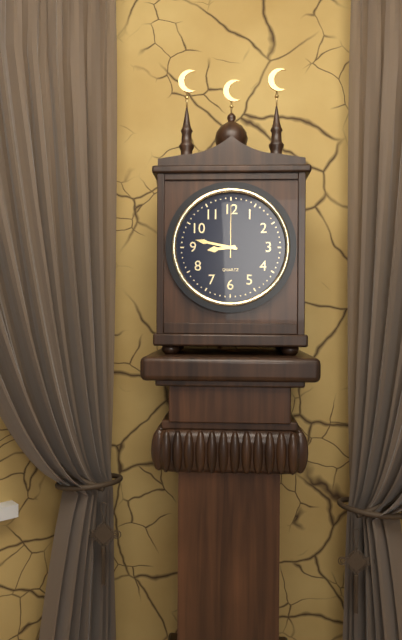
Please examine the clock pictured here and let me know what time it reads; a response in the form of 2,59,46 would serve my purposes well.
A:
8,47,00
